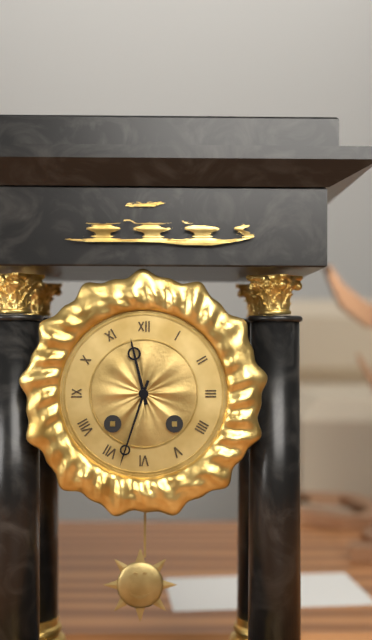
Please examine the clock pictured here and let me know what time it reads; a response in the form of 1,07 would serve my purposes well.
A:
11,33
